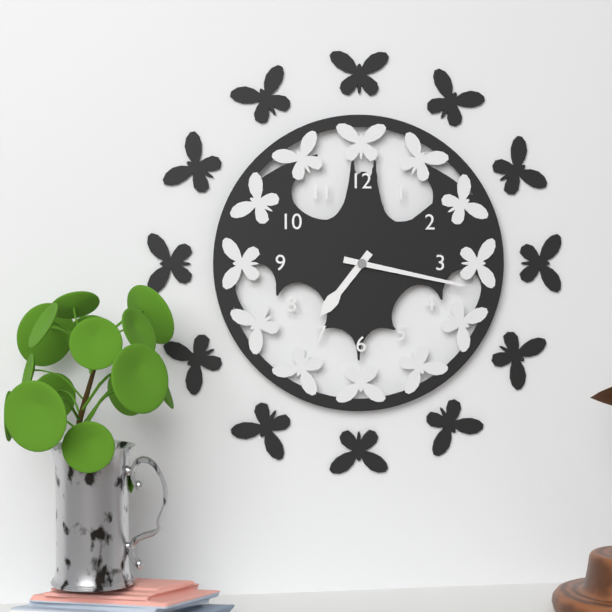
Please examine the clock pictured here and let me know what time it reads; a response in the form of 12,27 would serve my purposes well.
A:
7,17
